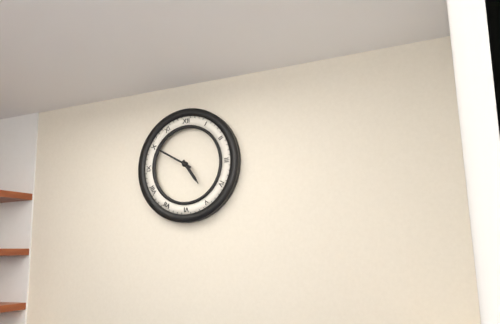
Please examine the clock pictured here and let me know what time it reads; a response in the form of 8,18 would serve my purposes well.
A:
4,50
